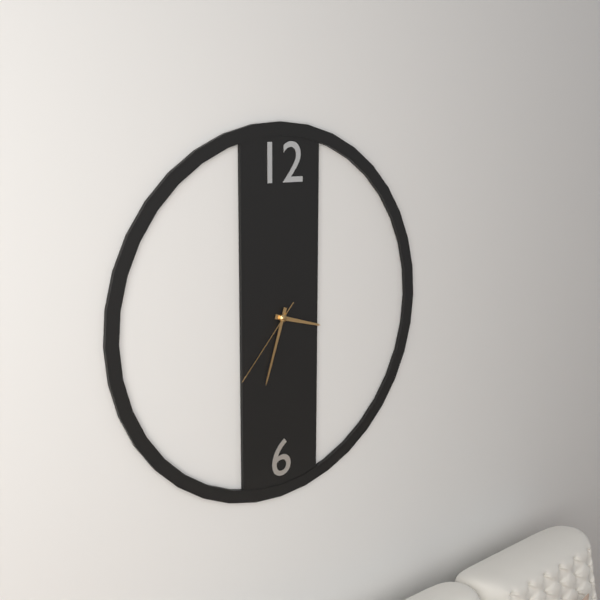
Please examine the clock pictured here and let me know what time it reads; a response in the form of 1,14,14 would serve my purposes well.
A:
3,33,37
